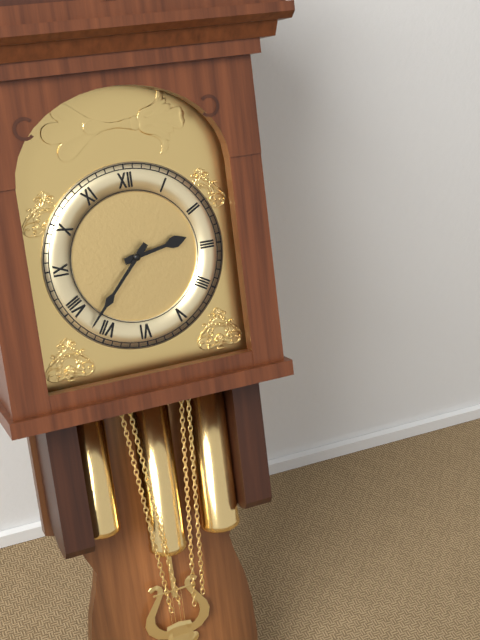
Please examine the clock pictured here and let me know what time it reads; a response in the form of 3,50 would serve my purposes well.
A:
2,37
